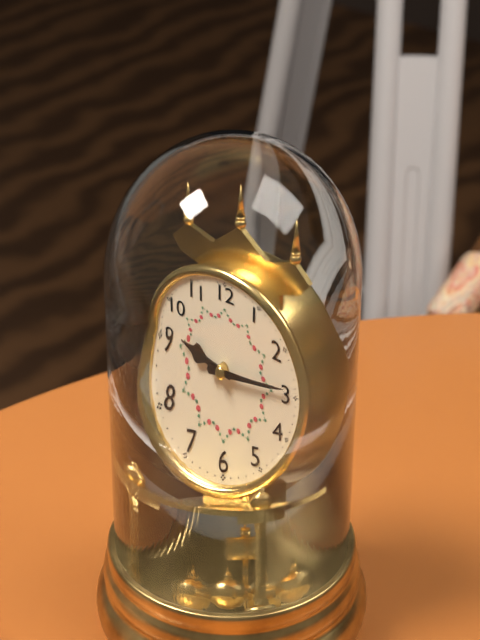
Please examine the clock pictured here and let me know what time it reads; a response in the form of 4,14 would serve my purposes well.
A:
9,14
